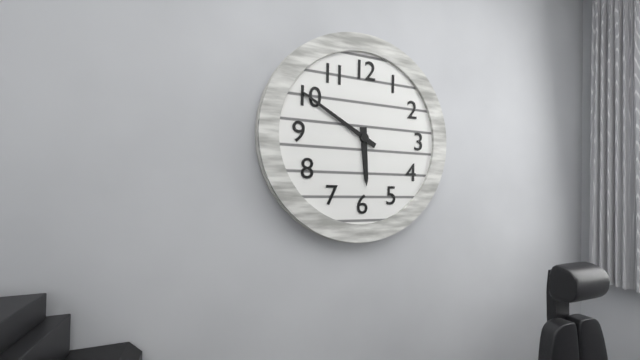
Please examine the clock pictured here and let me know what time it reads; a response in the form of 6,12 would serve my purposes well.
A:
5,50
